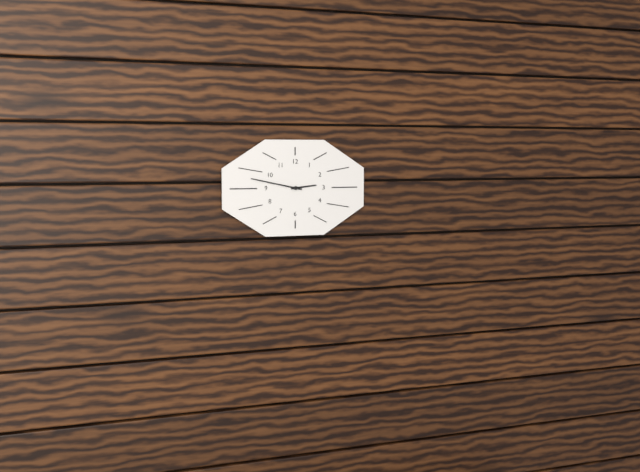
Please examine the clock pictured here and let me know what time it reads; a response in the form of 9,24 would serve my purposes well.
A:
2,47
